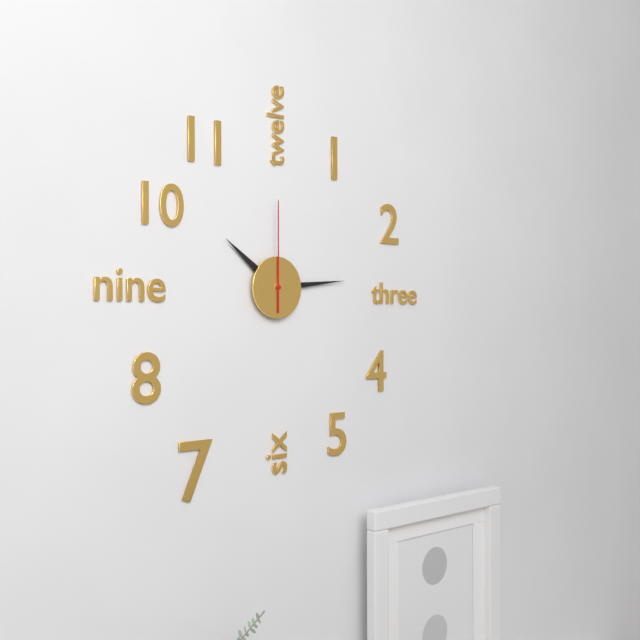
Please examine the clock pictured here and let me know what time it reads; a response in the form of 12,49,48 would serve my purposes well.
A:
10,14,00
